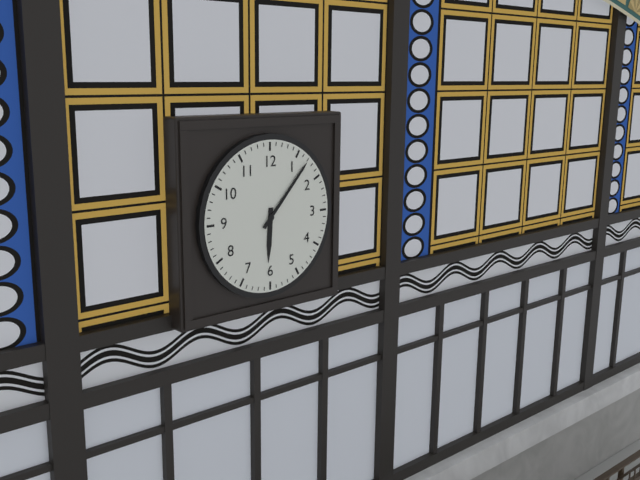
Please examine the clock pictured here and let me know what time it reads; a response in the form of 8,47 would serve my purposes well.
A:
6,07
